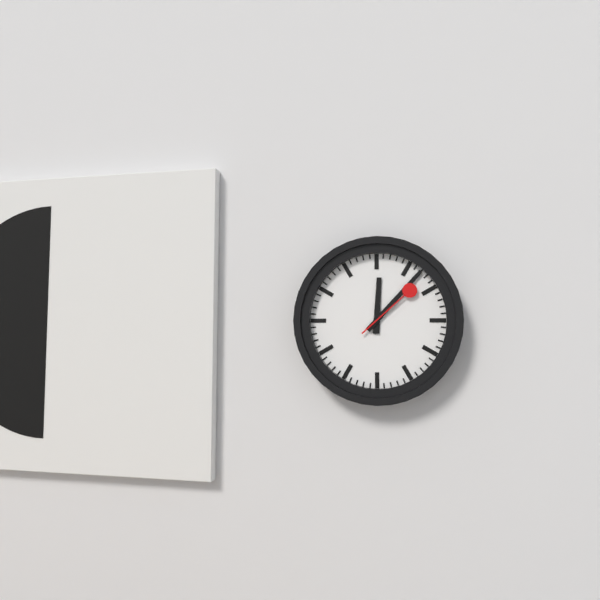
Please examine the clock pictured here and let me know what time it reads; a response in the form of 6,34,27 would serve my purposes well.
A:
12,07,08
